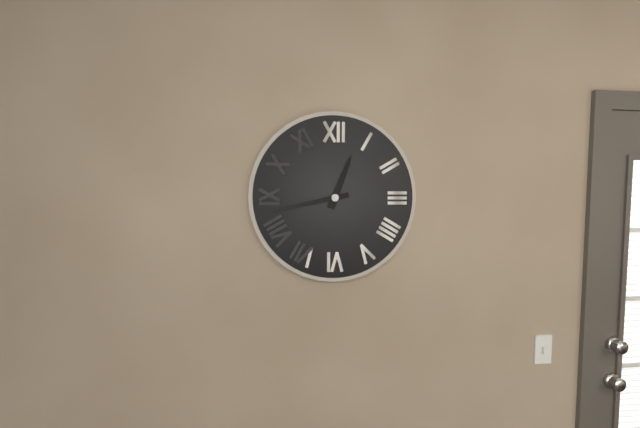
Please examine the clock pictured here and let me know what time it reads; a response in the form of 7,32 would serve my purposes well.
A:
12,43
